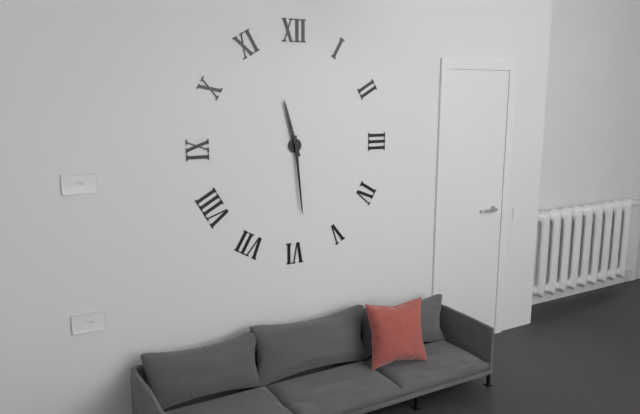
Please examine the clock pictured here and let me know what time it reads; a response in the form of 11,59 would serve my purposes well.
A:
11,29
